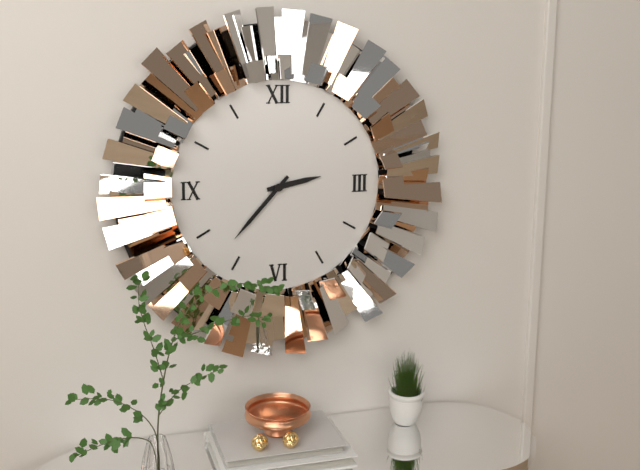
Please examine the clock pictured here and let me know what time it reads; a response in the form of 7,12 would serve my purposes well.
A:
2,37
